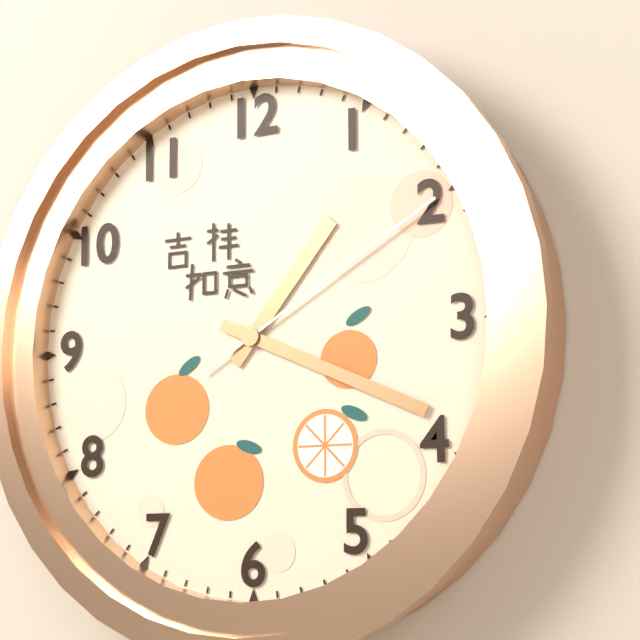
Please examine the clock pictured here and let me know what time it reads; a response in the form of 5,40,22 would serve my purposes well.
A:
1,19,10
